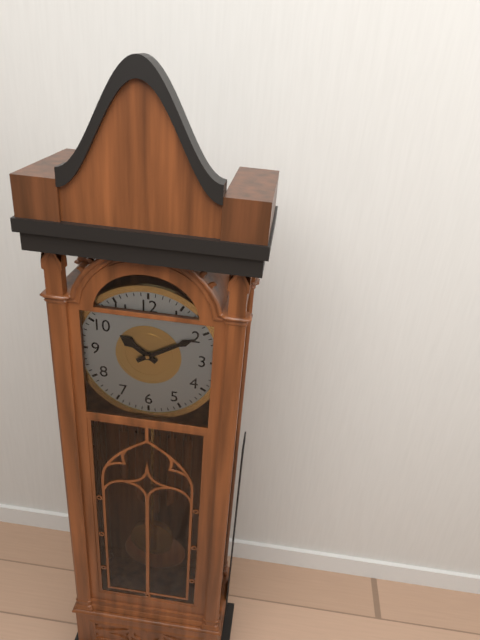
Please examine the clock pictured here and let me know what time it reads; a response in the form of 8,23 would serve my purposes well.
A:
10,10
